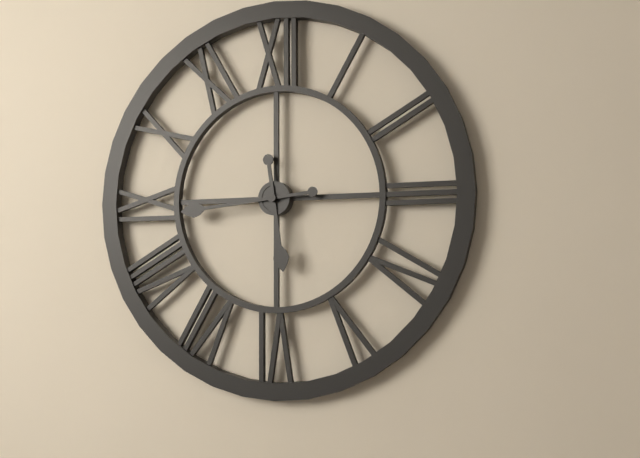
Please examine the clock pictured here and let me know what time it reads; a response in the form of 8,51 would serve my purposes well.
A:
5,44
